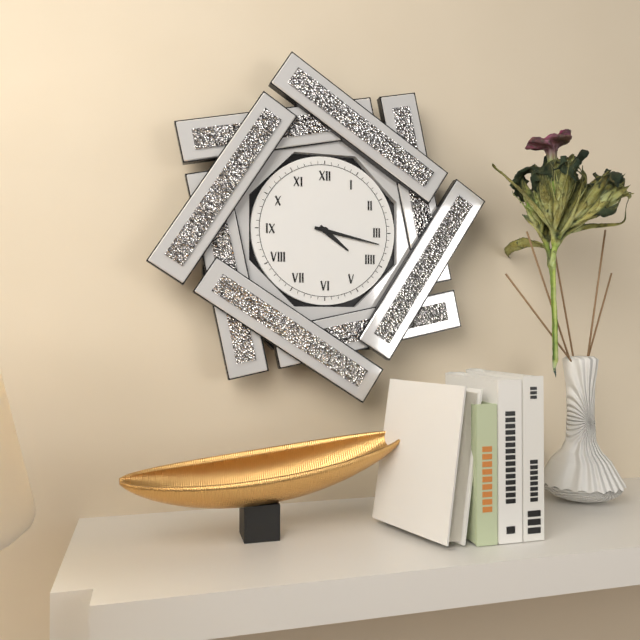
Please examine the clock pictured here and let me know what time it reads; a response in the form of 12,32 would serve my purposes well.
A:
4,17
